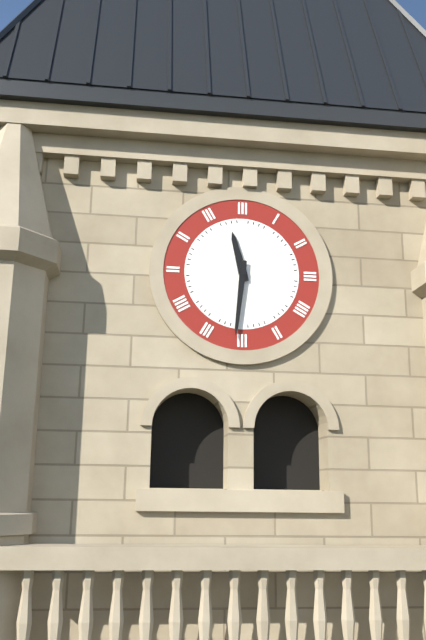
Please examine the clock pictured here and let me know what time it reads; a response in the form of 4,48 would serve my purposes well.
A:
11,31
